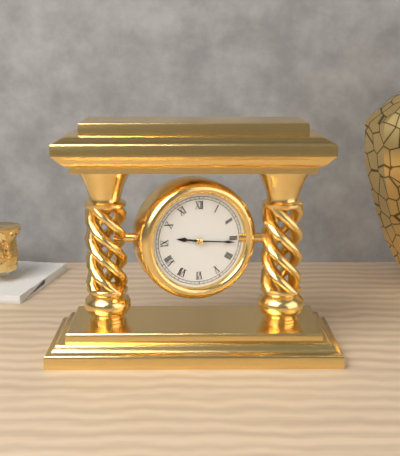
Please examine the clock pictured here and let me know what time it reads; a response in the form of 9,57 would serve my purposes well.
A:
9,16
